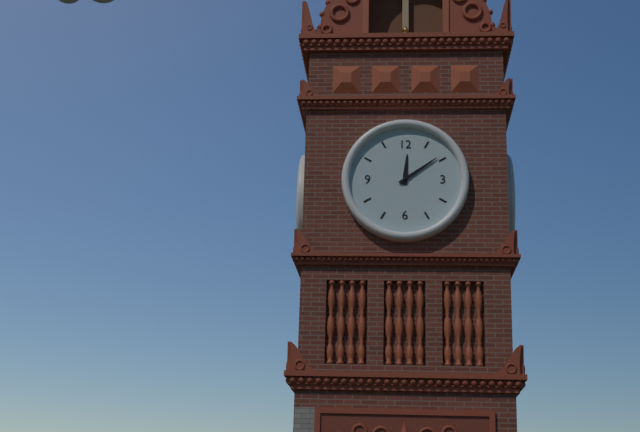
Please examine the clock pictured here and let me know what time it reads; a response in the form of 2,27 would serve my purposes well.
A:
12,09
